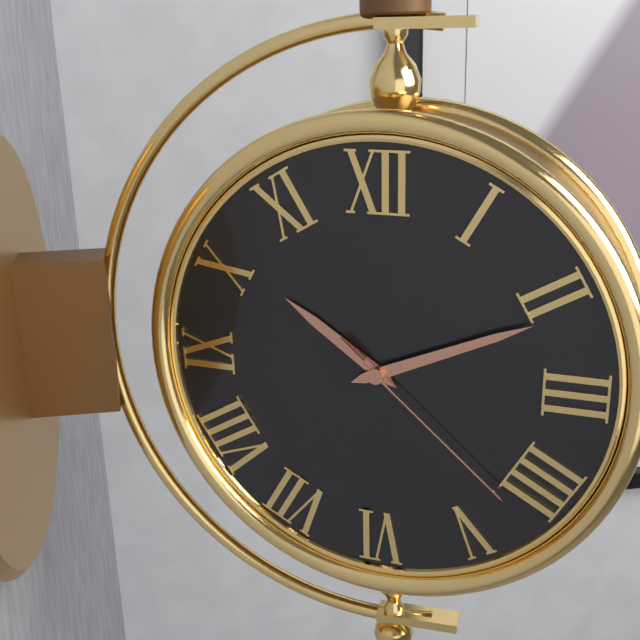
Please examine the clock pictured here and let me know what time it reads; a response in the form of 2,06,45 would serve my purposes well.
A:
10,11,22
